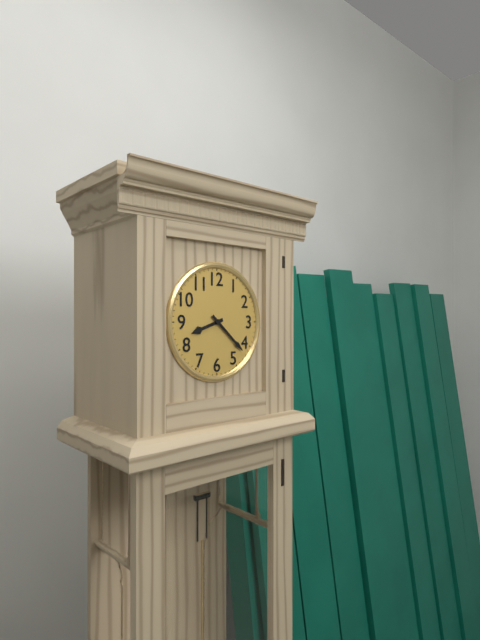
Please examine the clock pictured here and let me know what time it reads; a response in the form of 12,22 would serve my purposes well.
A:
8,22
